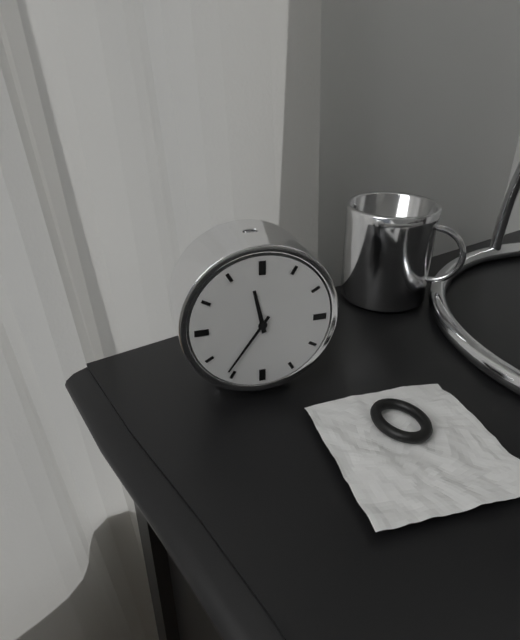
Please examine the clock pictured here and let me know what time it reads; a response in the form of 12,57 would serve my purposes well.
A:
11,36
